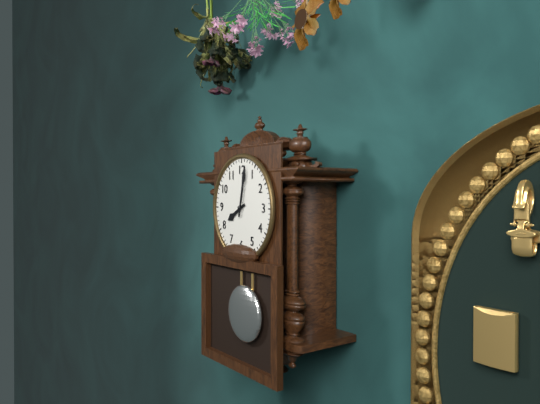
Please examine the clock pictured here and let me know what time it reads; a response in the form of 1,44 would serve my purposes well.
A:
8,02
